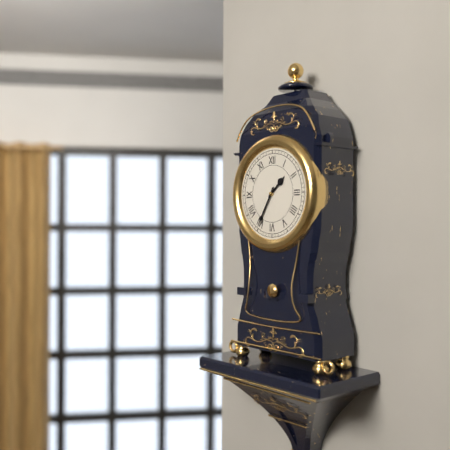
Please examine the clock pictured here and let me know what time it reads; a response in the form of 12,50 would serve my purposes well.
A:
1,35
